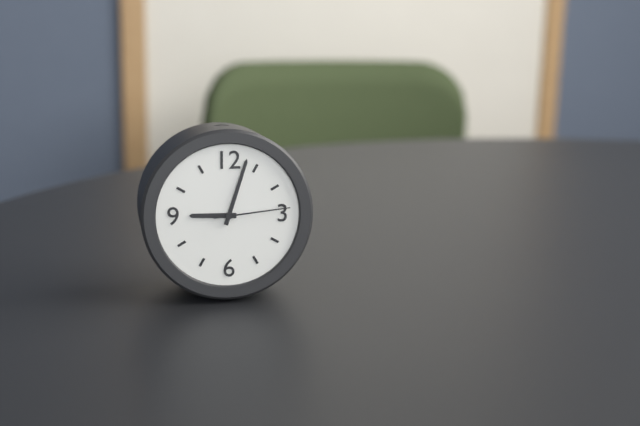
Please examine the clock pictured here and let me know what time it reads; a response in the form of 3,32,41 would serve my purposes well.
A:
9,03,14
